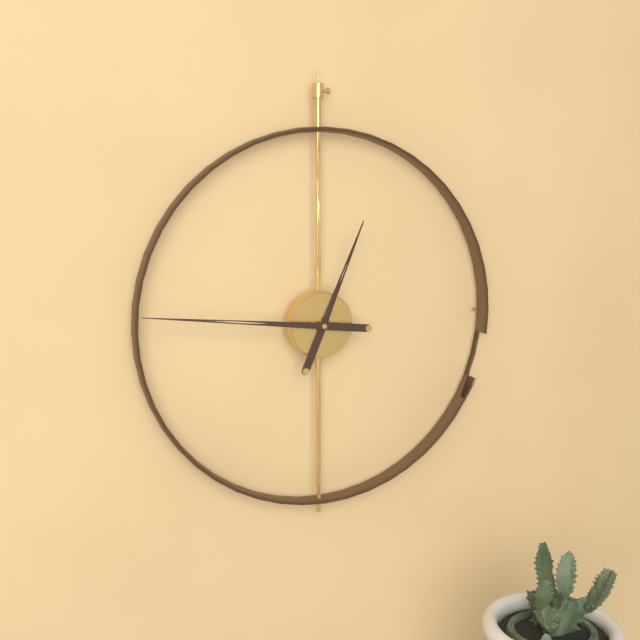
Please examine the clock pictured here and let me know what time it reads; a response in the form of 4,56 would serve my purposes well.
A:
12,46
